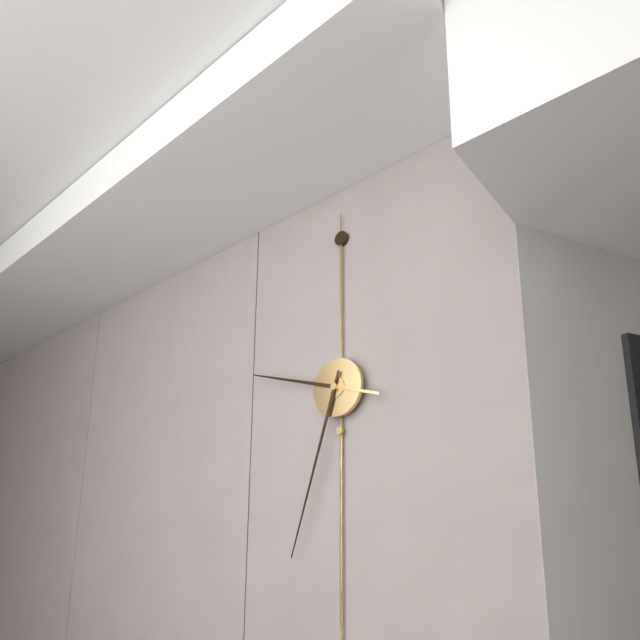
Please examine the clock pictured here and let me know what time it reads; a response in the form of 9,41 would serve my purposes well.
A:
9,33
